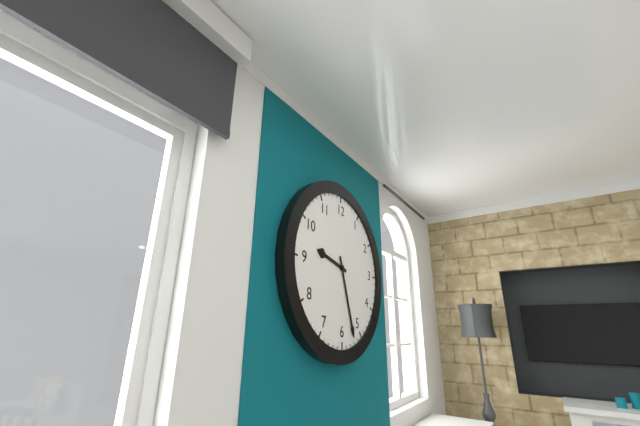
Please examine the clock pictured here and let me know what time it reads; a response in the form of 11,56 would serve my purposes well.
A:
9,27
